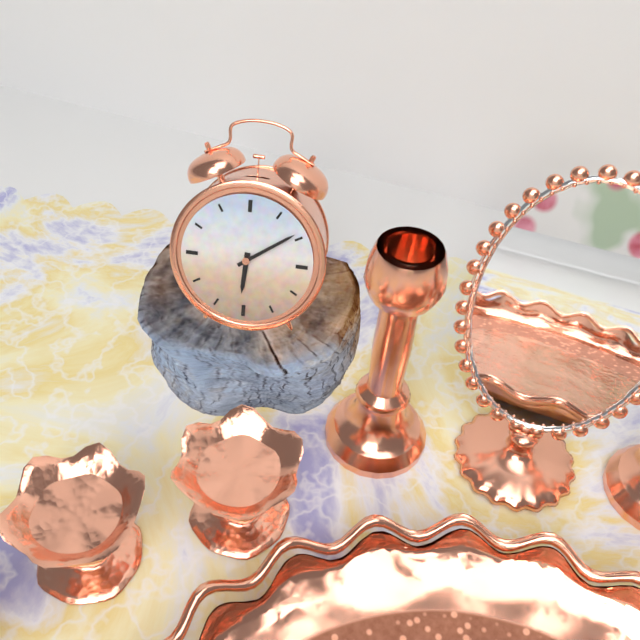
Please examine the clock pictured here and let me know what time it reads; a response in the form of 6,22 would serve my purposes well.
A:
6,09
